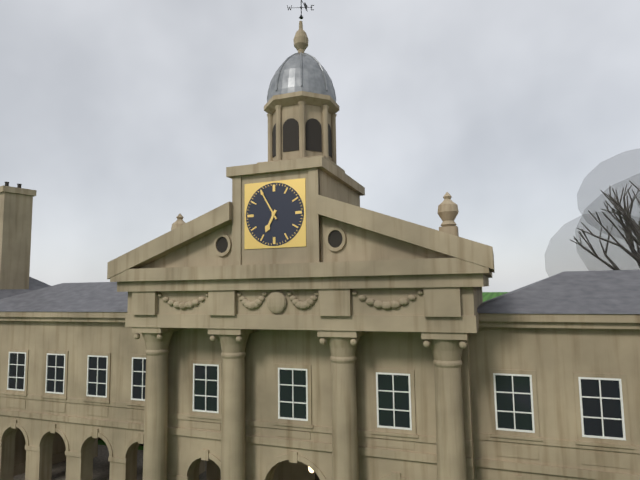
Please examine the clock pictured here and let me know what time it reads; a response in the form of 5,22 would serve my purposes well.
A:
6,55
